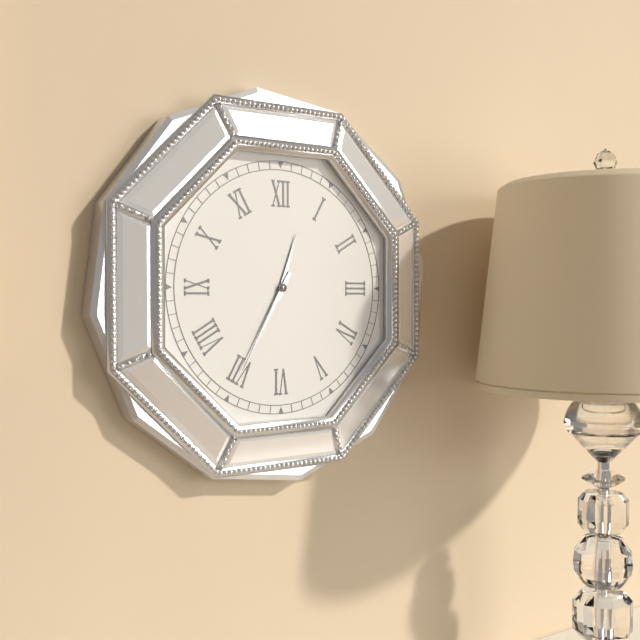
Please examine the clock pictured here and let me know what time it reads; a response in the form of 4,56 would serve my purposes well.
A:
12,35
